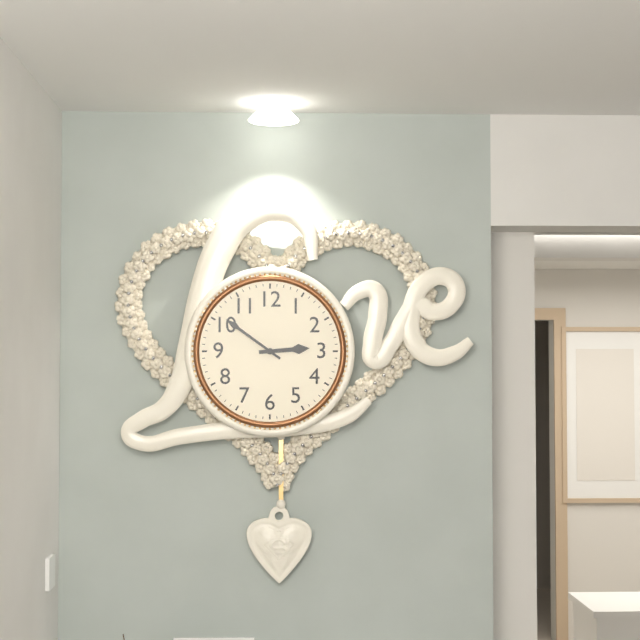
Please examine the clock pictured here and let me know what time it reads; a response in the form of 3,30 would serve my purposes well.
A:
2,51
